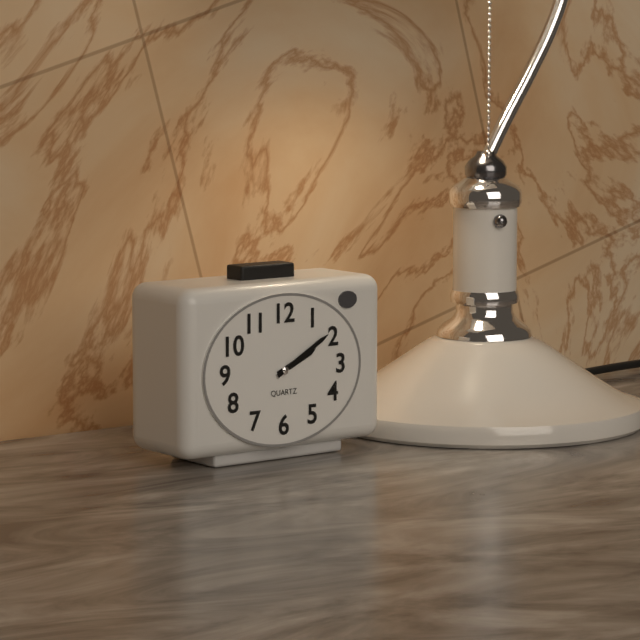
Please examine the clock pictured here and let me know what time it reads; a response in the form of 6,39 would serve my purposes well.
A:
2,10
